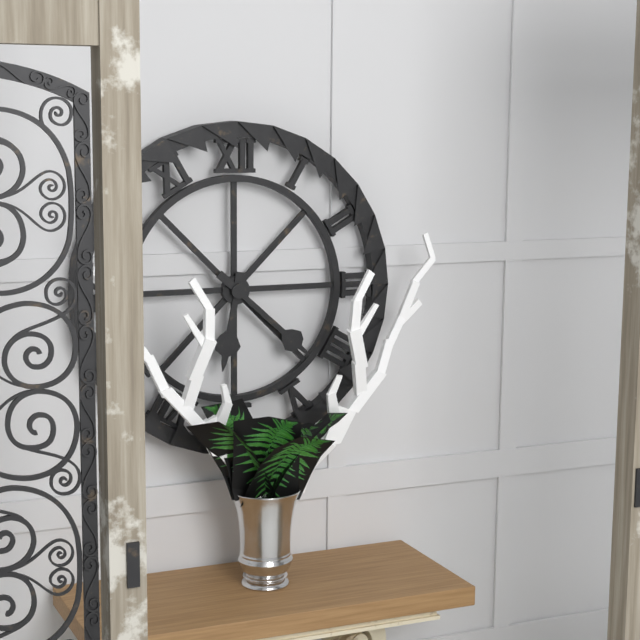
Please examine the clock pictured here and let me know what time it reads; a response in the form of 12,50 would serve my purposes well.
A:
6,22
